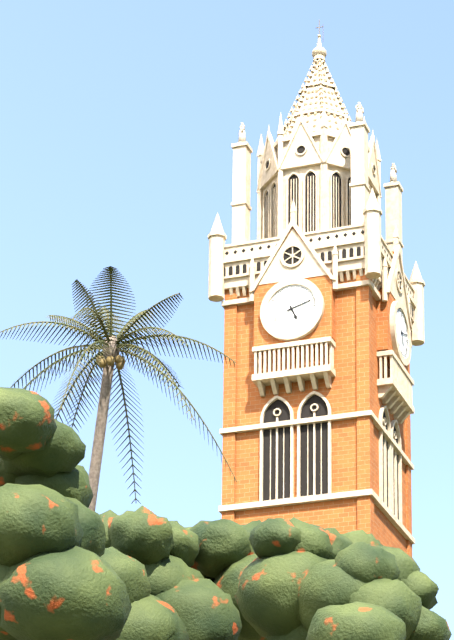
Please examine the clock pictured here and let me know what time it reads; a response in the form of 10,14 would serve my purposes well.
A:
5,12
